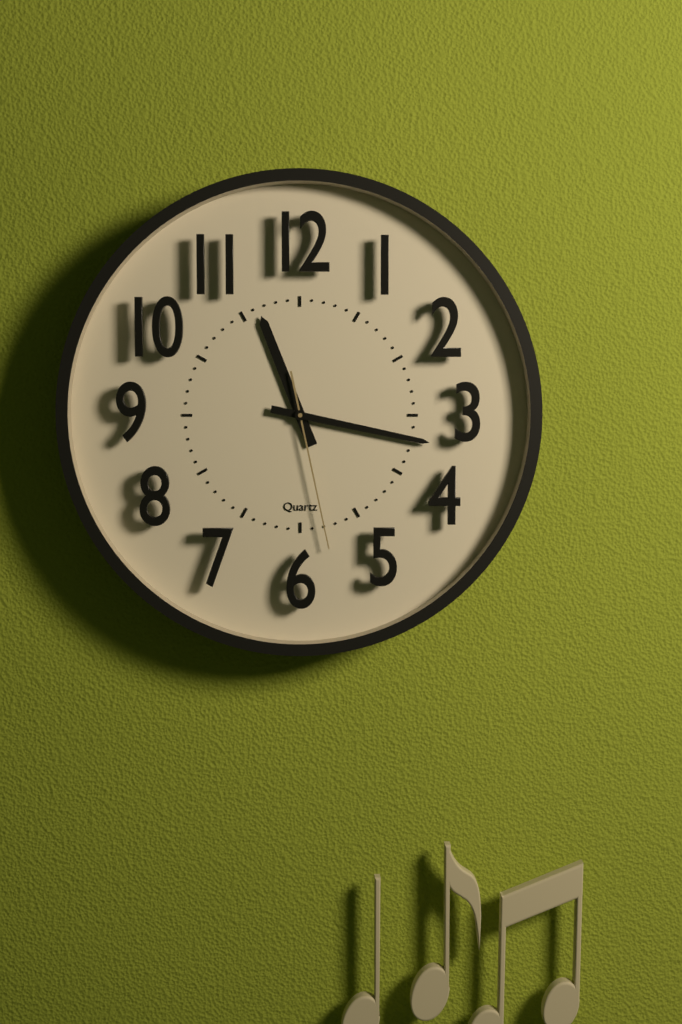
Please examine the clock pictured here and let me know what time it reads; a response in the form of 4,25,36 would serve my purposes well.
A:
11,17,28
